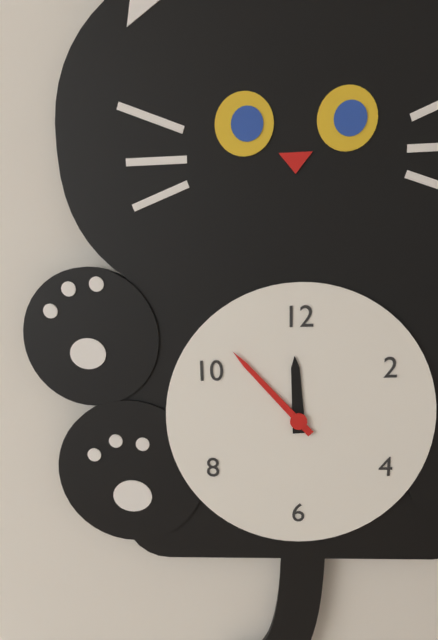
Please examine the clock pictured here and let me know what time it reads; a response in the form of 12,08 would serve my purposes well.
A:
11,53
